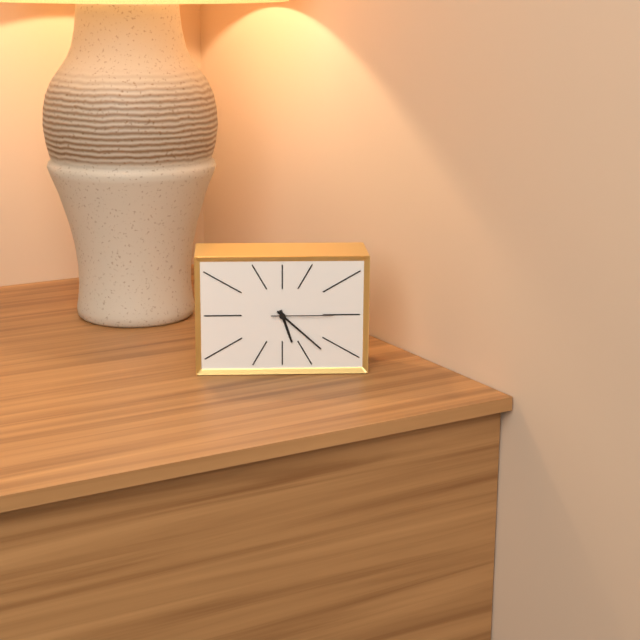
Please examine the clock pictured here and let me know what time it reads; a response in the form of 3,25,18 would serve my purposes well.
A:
5,22,15
